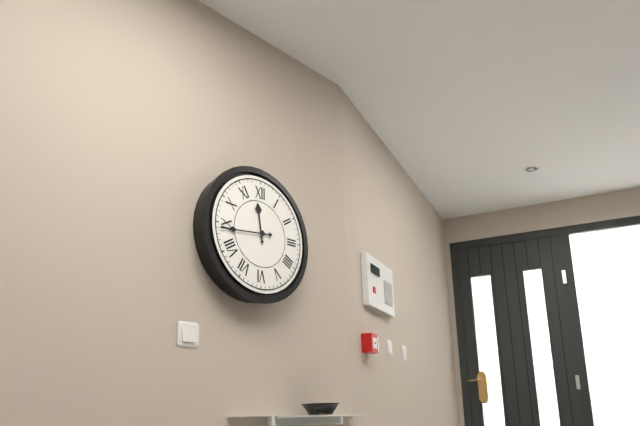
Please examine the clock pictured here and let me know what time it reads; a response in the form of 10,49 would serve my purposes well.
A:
11,44
